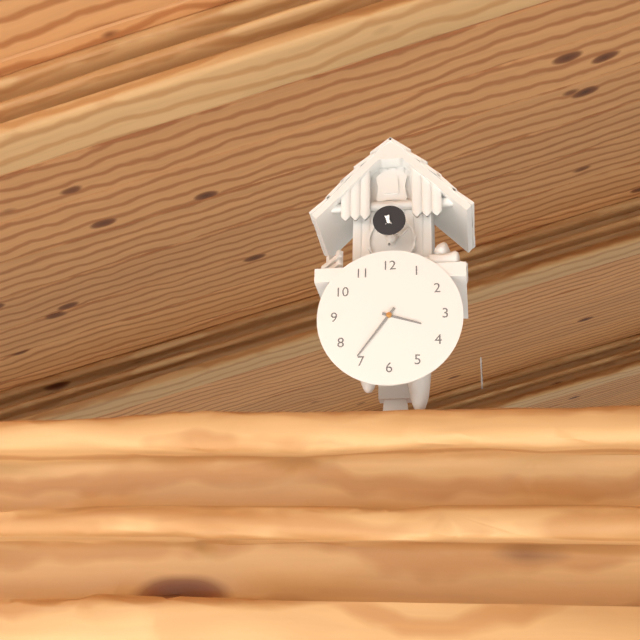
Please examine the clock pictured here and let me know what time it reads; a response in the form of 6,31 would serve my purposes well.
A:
3,36
